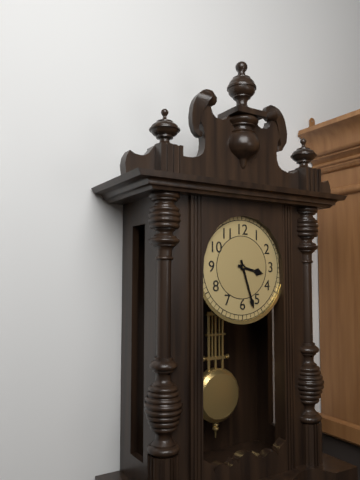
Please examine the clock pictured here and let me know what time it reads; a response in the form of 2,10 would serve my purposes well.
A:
3,27
